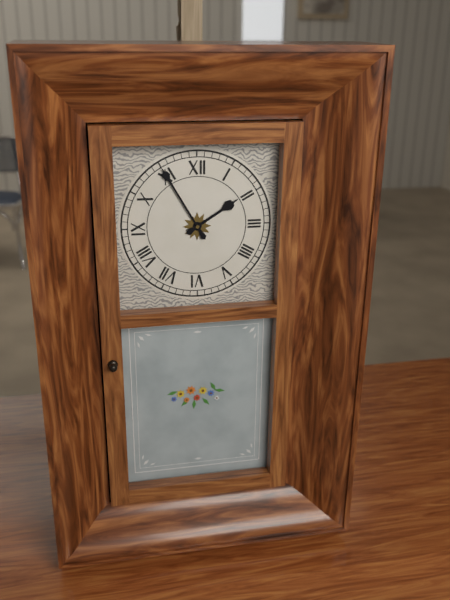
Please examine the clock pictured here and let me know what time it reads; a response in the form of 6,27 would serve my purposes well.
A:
1,55
